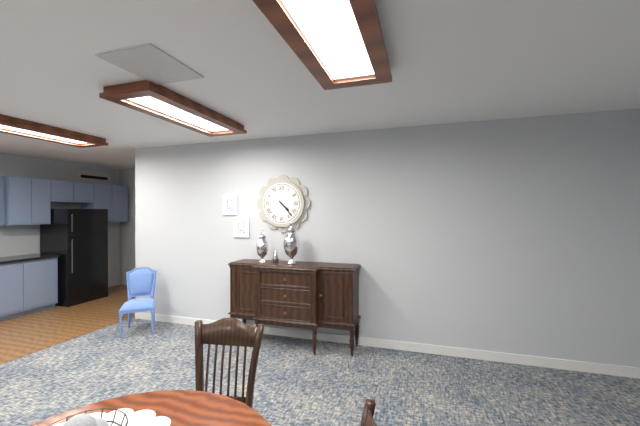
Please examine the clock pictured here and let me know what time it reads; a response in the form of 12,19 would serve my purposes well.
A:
4,23
